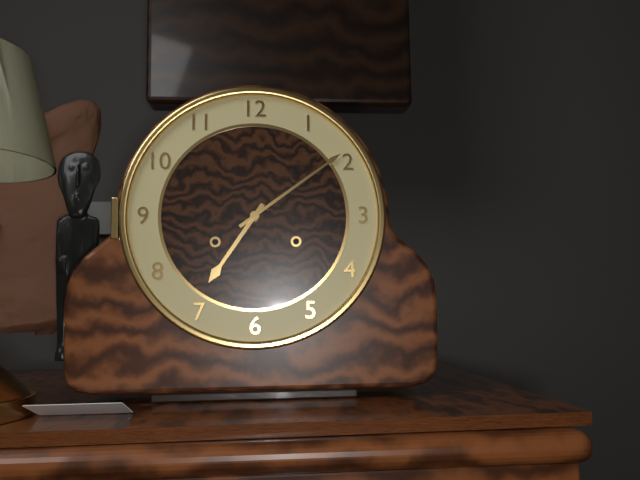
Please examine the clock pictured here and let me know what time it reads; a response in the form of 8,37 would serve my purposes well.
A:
7,09
